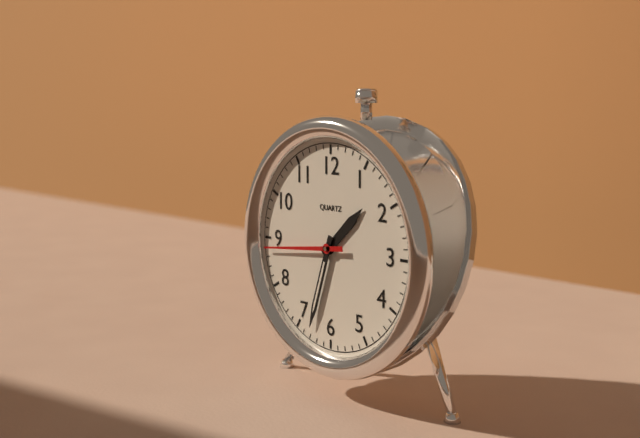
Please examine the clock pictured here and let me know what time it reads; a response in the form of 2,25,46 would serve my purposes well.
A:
1,33,44
